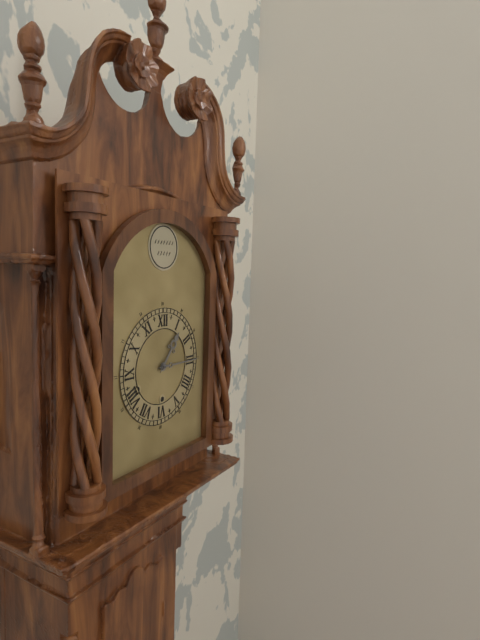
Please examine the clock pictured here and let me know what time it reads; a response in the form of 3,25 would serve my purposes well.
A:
1,15
